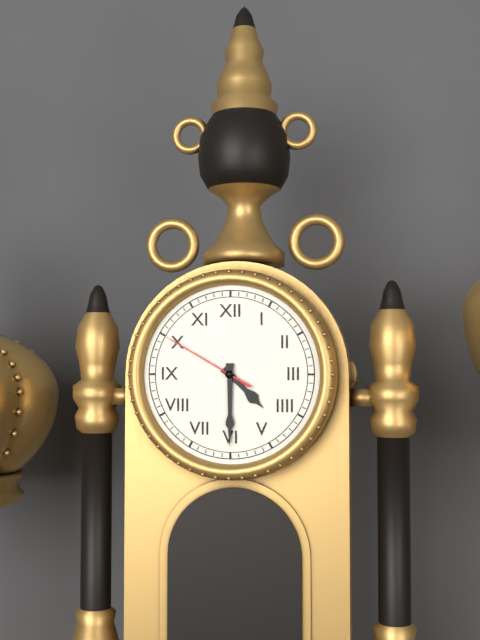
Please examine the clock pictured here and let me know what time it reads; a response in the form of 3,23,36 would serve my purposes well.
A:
4,30,50
